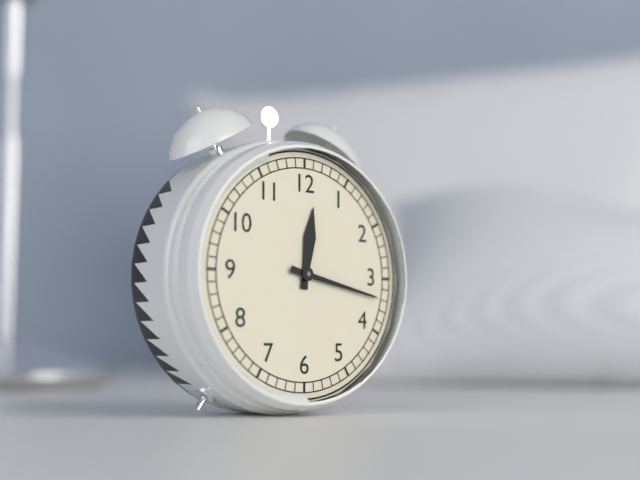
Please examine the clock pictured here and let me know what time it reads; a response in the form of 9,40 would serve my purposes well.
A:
12,17
